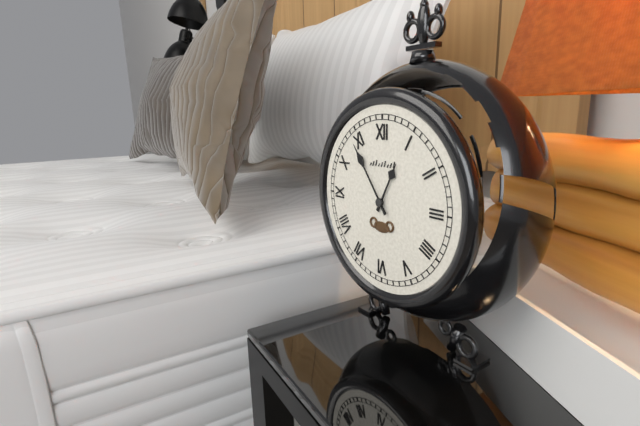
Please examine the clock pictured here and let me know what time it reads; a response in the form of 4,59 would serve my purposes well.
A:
12,54
